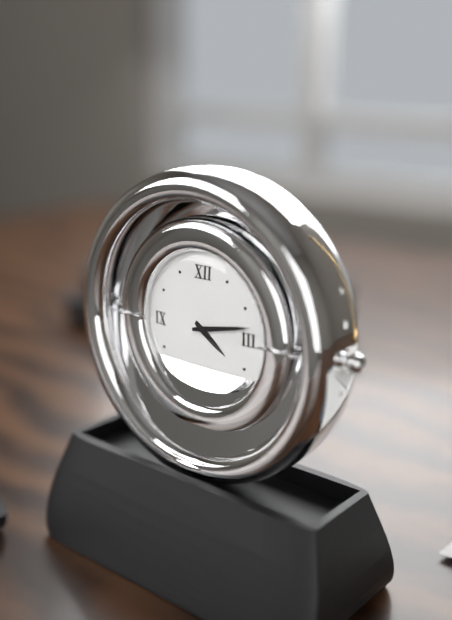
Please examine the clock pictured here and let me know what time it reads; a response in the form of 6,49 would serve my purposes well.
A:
4,13
